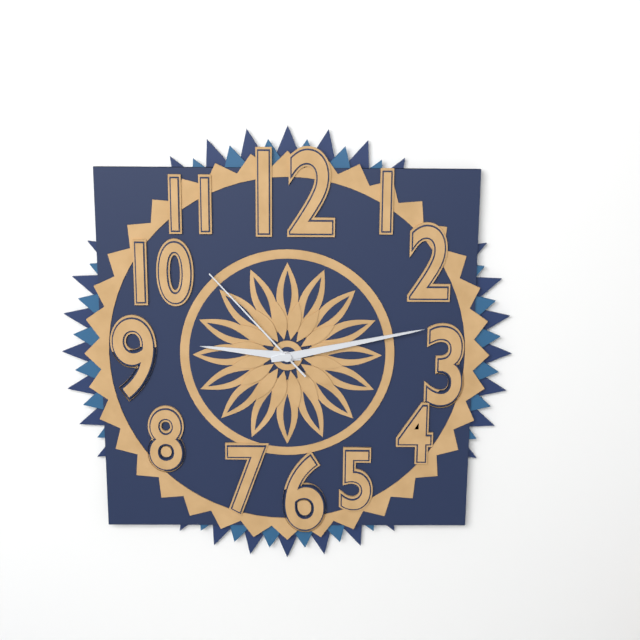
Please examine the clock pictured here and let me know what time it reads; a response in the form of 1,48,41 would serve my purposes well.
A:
9,13,53
